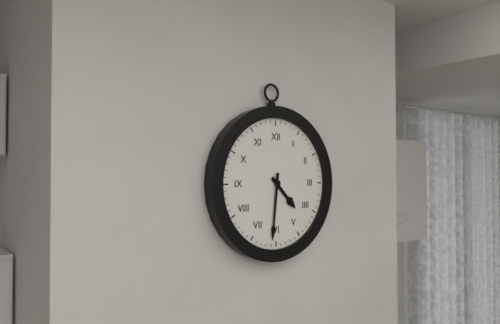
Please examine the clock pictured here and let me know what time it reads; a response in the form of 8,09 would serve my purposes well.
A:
4,31
